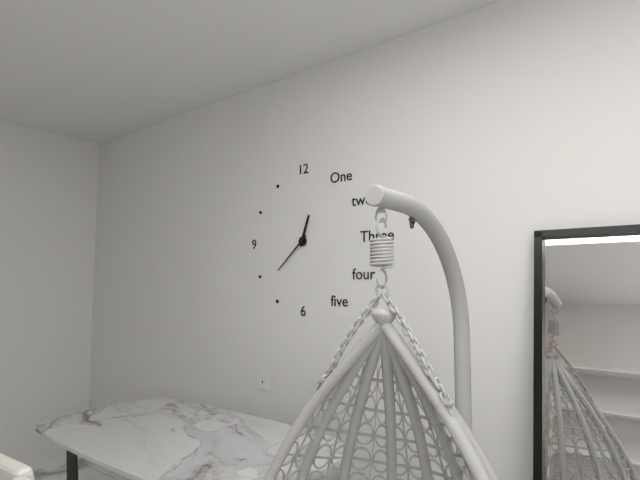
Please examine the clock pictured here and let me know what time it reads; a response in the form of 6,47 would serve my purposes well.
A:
12,38
